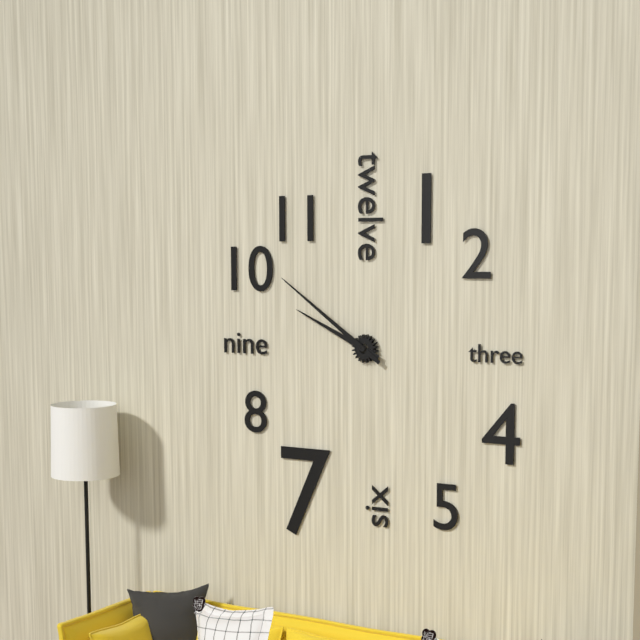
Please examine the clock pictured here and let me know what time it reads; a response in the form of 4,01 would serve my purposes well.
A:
9,51
